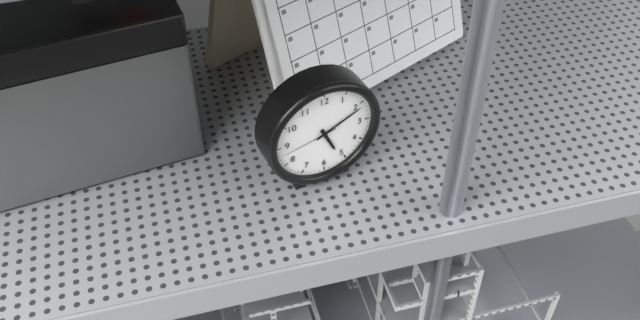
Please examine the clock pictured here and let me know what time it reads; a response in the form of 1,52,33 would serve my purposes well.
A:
5,11,43
